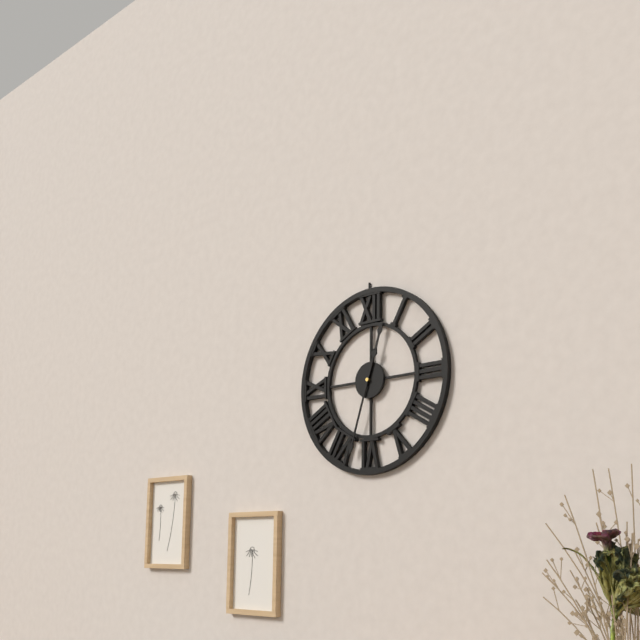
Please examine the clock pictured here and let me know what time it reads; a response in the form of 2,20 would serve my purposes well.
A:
12,33
